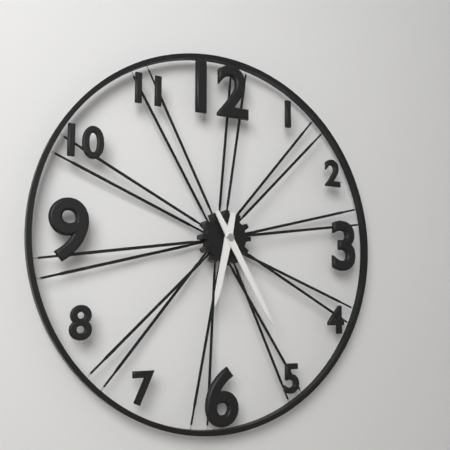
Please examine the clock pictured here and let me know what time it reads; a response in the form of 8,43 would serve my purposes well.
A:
6,25
